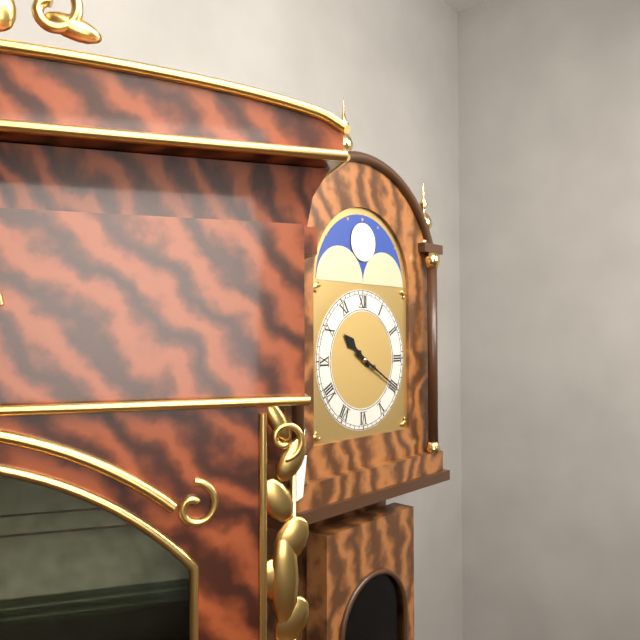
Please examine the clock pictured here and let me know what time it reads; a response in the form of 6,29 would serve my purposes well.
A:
10,20
